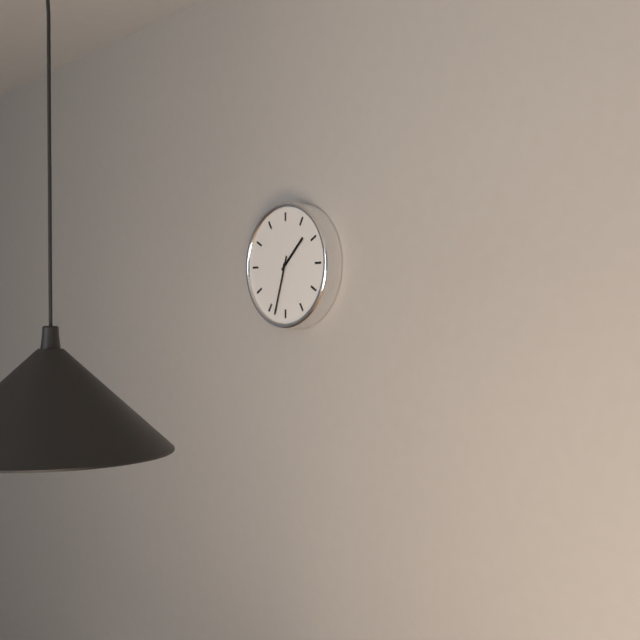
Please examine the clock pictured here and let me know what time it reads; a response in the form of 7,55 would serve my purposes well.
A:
1,33
